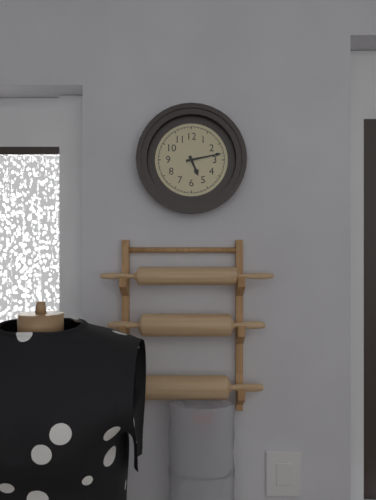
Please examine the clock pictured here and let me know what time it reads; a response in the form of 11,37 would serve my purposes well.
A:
5,13
